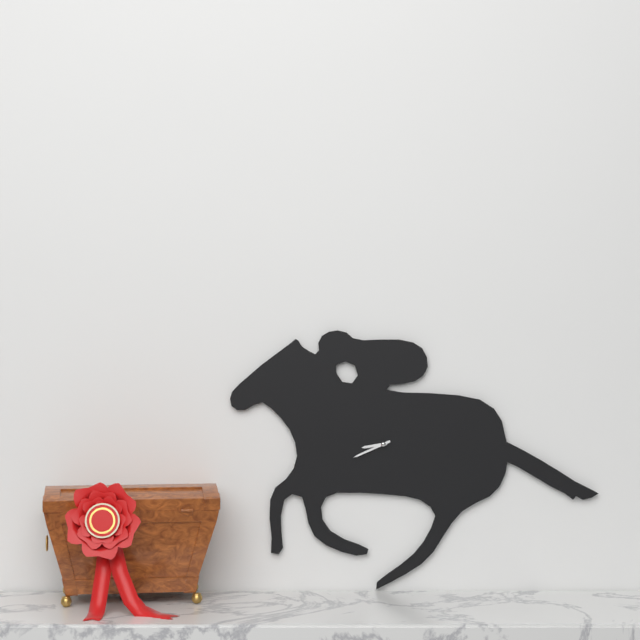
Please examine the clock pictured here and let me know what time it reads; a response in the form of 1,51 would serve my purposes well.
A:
8,41
